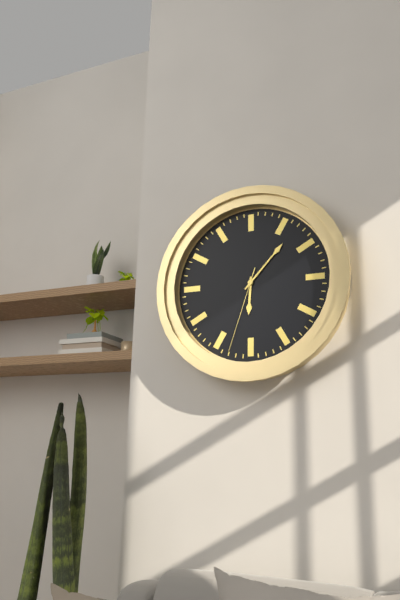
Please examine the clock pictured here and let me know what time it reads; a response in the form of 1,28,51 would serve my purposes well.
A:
6,07,33
